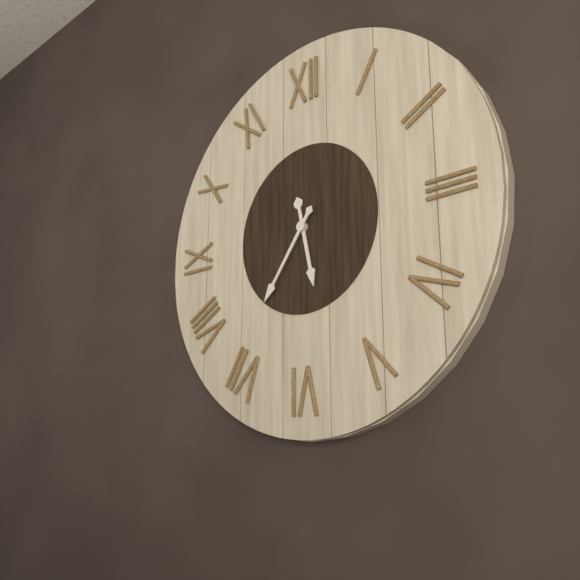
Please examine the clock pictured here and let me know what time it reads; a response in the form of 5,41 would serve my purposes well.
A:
5,36
